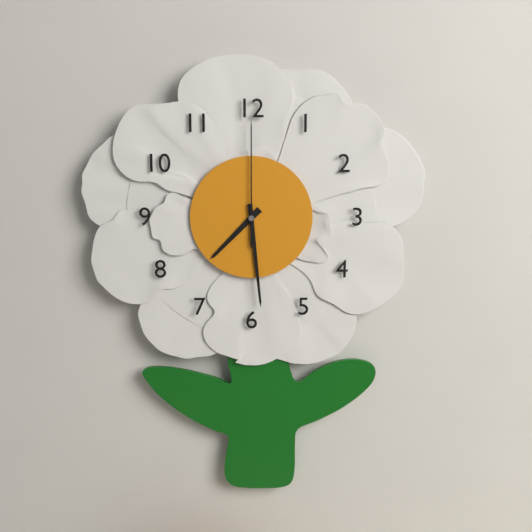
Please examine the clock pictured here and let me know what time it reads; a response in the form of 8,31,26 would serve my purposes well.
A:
7,29,00
